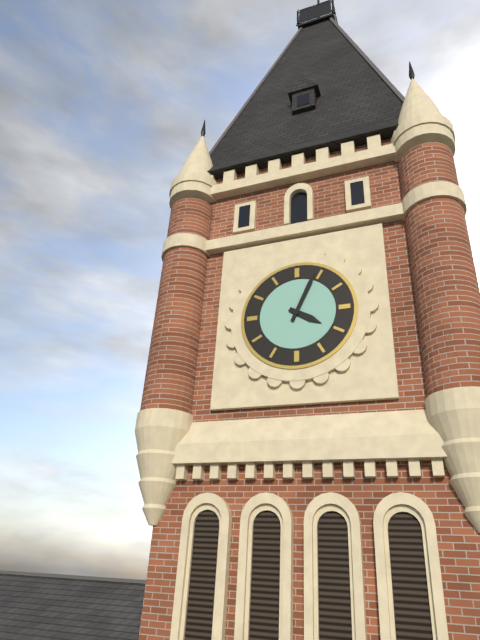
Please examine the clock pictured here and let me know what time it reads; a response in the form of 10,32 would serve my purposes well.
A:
4,04
